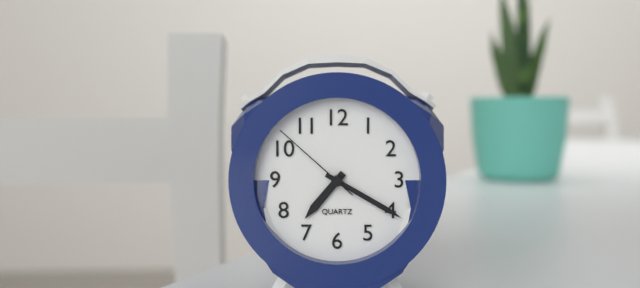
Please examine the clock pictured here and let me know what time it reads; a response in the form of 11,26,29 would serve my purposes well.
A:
7,20,52
